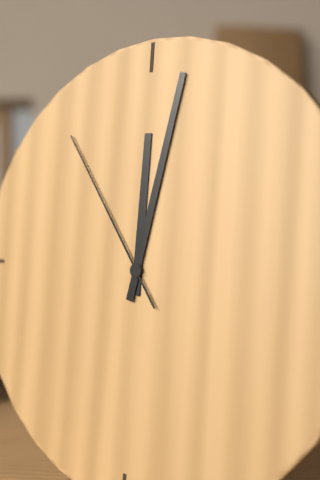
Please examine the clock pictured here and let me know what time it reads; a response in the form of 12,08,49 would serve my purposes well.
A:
12,02,54
